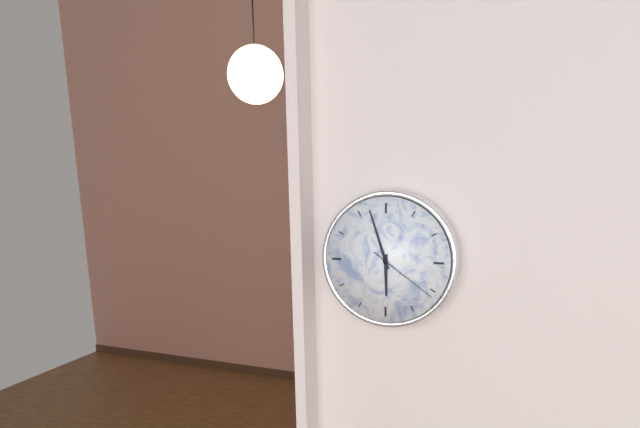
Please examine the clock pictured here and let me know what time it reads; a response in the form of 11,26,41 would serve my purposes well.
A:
5,57,21
